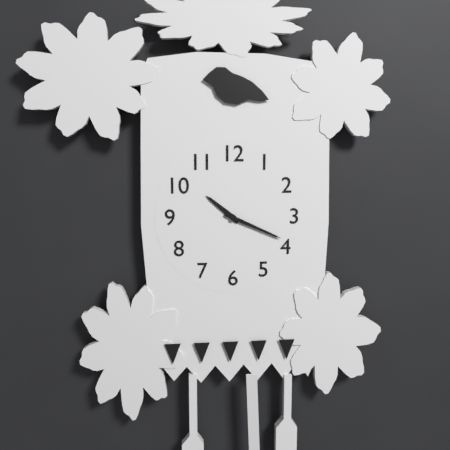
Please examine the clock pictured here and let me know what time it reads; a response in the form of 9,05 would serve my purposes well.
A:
10,19
